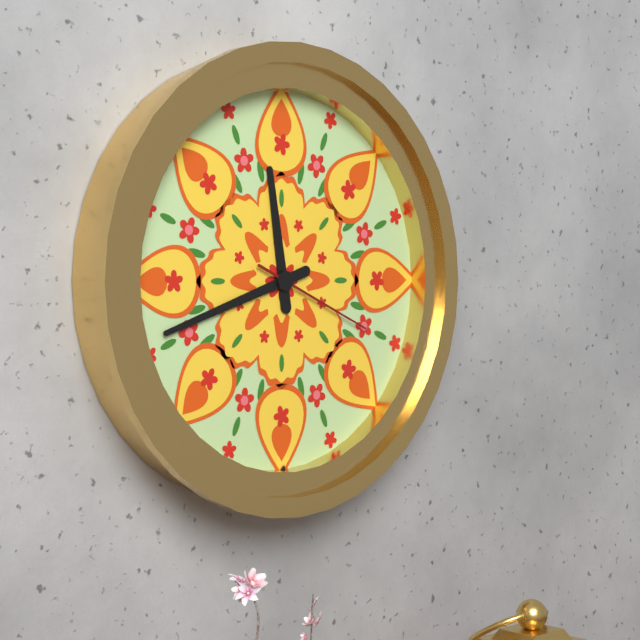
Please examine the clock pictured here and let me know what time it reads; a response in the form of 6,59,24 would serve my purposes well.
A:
11,42,19
